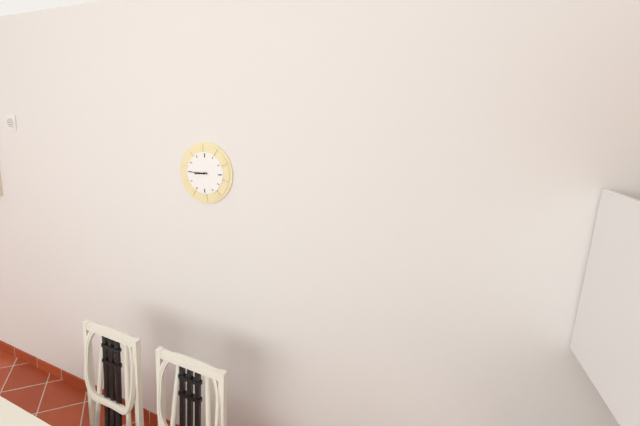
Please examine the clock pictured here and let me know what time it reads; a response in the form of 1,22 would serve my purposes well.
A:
8,45
